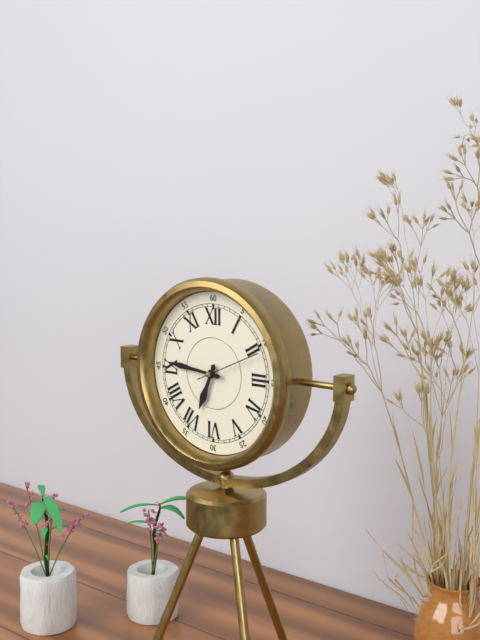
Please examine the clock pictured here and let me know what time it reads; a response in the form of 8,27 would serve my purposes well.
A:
6,46
